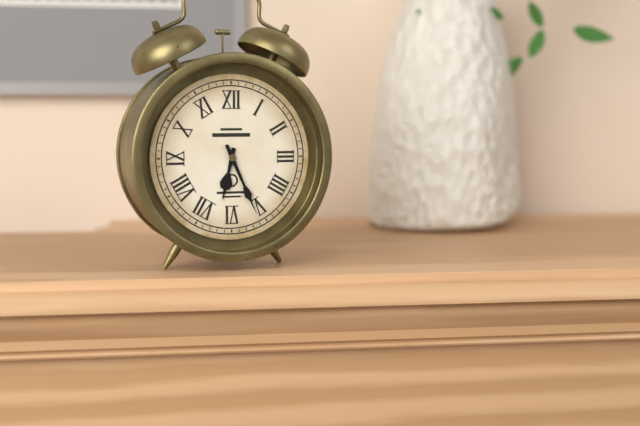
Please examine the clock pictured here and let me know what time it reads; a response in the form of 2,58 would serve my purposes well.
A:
6,26
